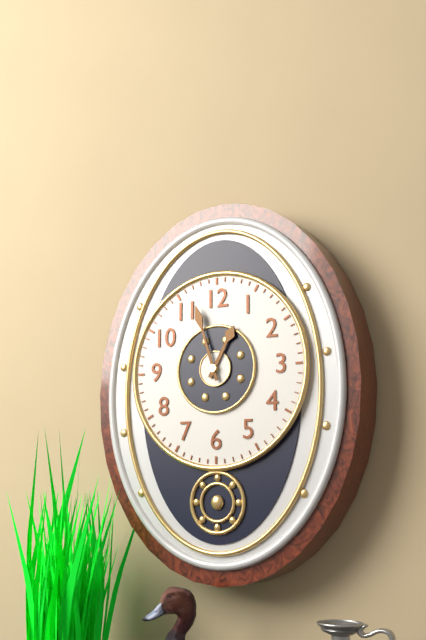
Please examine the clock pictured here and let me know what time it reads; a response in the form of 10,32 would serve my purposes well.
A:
12,57
